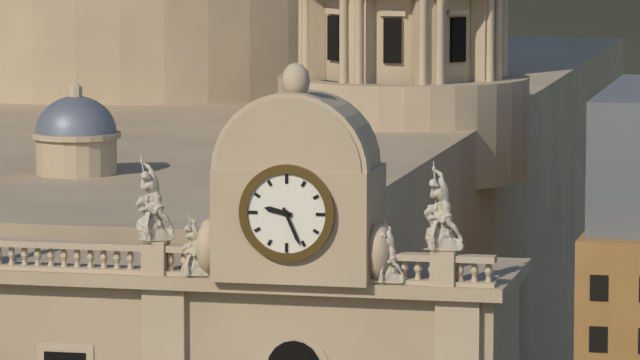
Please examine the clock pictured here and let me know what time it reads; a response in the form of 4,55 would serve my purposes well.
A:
9,26
